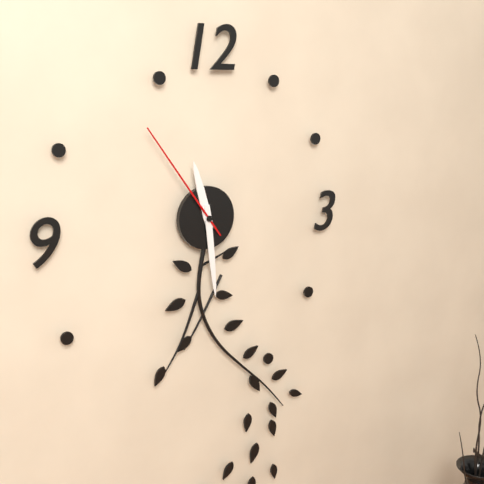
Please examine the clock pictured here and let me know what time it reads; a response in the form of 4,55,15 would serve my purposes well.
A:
11,29,54
